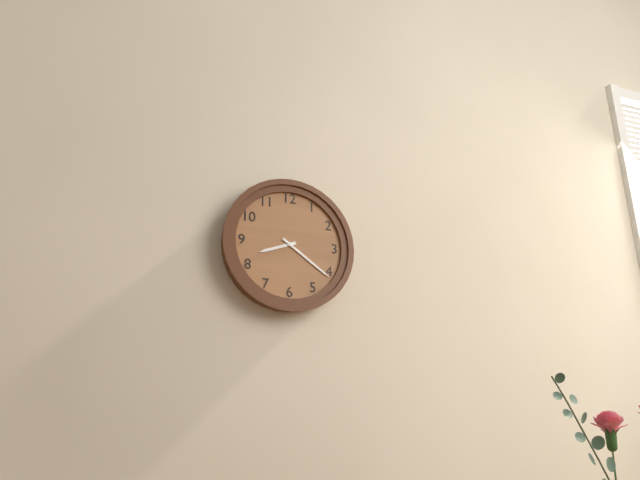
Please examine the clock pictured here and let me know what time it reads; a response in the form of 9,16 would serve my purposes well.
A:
8,21
